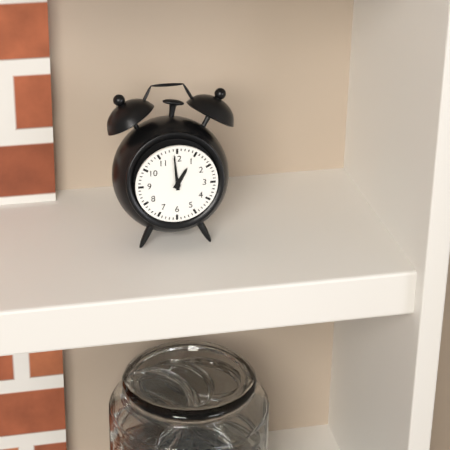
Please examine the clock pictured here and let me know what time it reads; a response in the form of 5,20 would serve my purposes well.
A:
12,59
